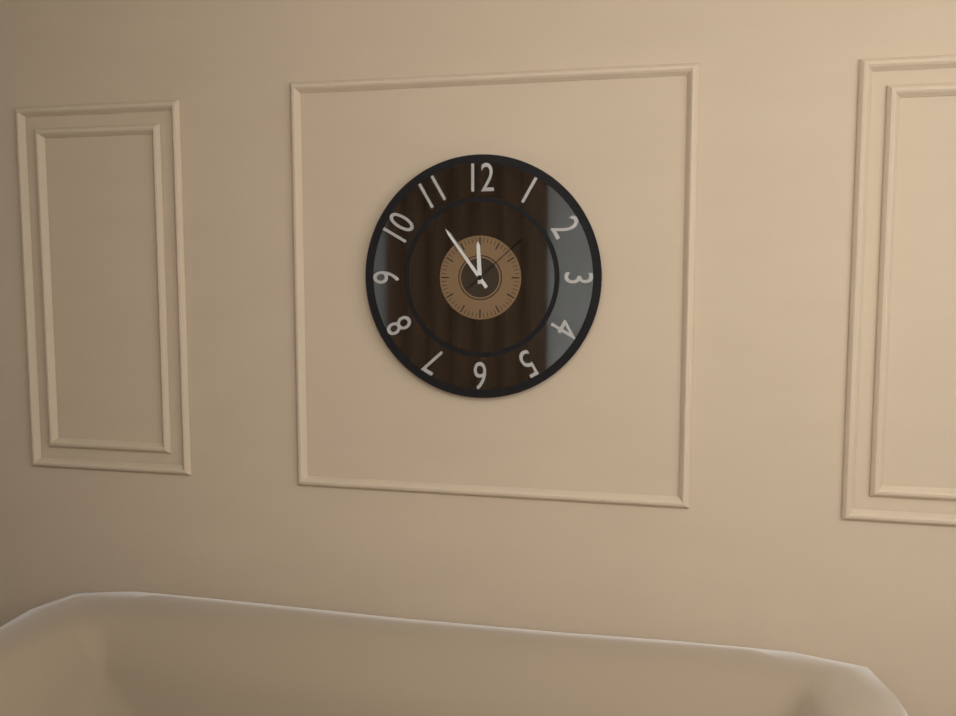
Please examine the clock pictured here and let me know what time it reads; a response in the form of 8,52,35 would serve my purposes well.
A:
11,54,08
